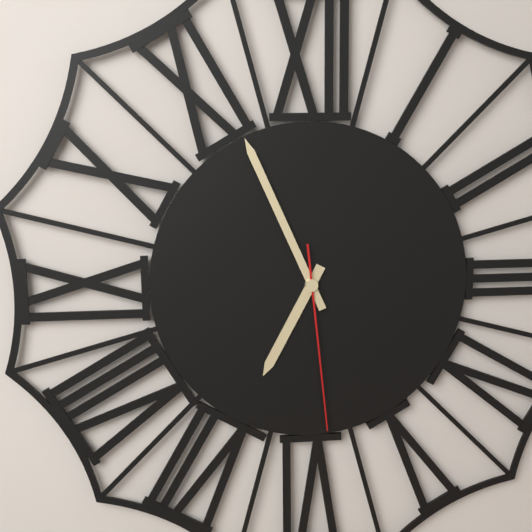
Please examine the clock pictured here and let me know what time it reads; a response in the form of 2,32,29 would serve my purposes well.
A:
6,56,29
